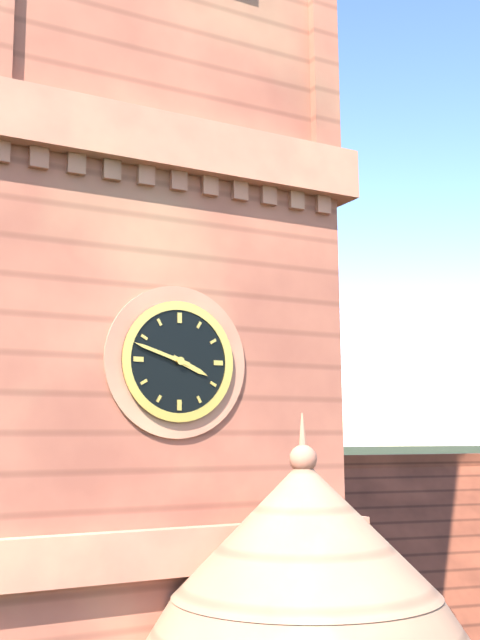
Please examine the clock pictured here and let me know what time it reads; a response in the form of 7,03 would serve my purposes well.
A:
3,48
